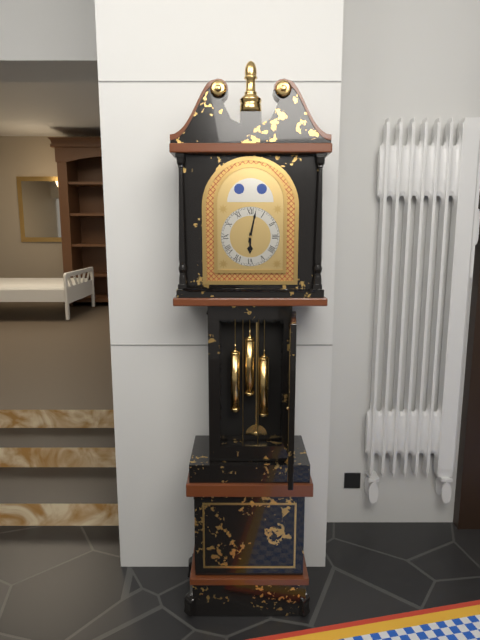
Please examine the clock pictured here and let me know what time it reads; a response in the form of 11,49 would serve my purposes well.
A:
6,02
